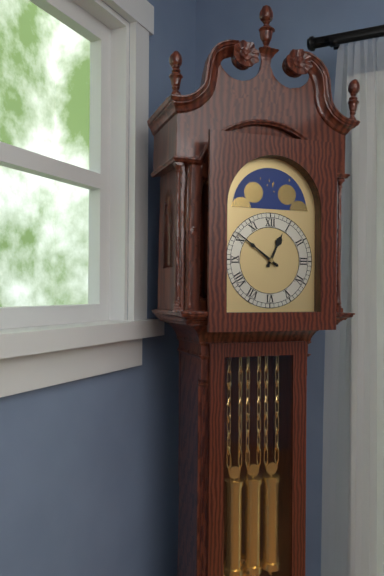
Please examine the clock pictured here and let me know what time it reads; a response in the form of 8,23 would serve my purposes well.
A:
12,51
